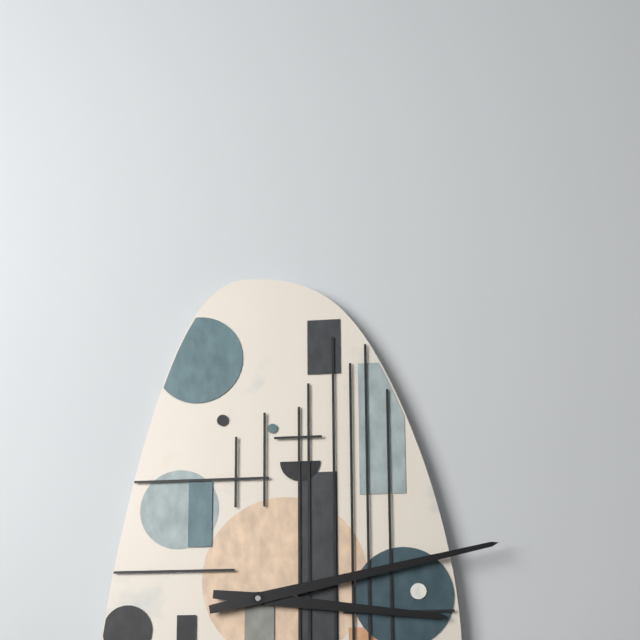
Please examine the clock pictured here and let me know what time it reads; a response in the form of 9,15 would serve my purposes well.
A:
3,13
